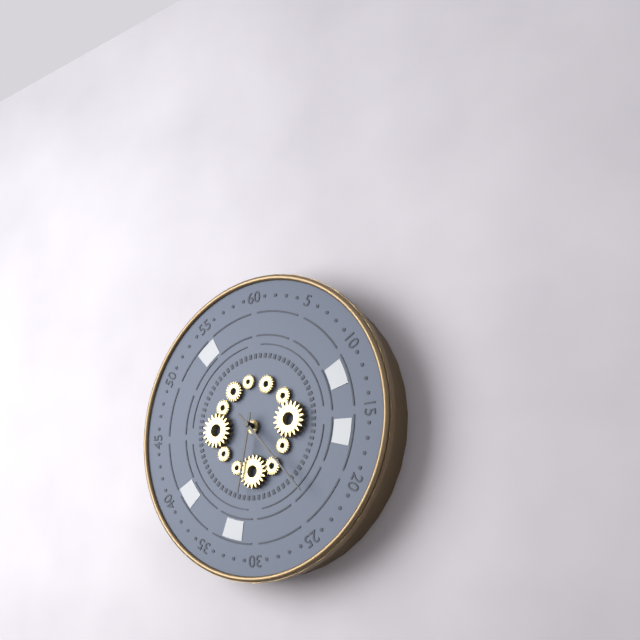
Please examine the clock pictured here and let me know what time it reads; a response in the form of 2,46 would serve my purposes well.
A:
6,23
